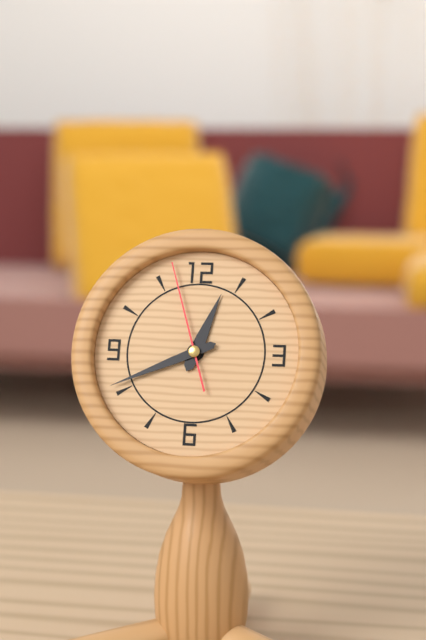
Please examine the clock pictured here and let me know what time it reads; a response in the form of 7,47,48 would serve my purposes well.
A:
12,41,57
